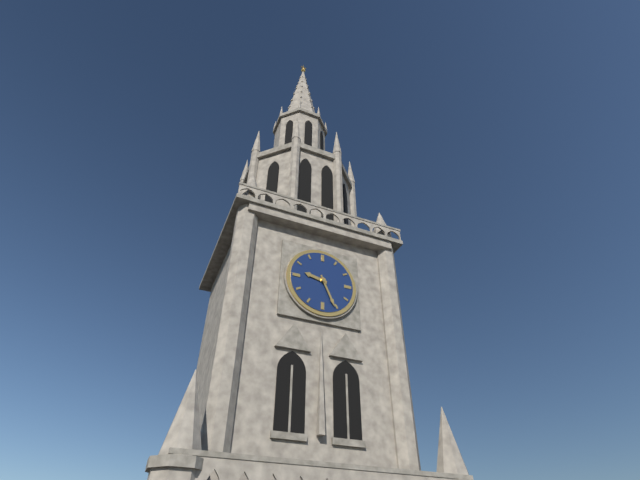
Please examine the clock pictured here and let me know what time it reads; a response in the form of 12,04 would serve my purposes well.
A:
9,26
